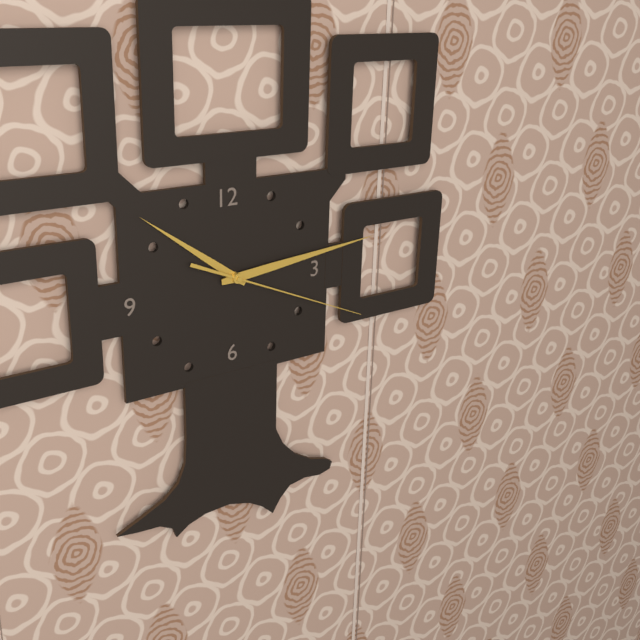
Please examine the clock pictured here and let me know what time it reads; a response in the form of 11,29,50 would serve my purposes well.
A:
10,14,19
